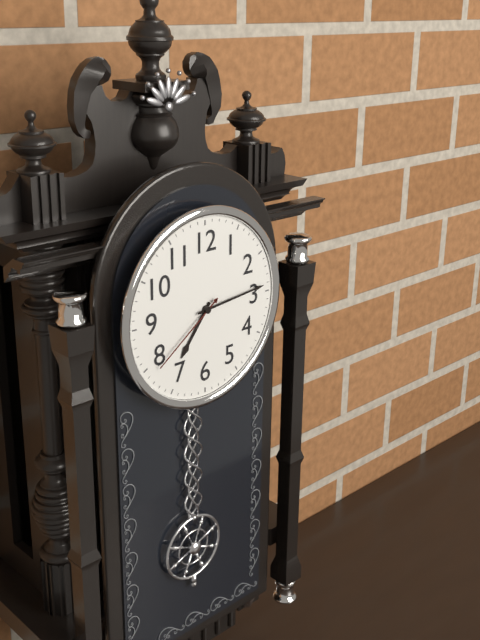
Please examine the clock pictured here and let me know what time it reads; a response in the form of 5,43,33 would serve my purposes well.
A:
7,14,39
